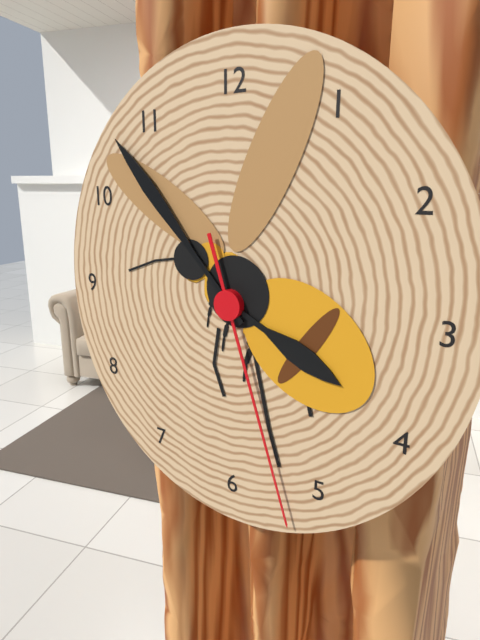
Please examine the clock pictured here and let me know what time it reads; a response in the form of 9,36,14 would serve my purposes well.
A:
3,53,27
